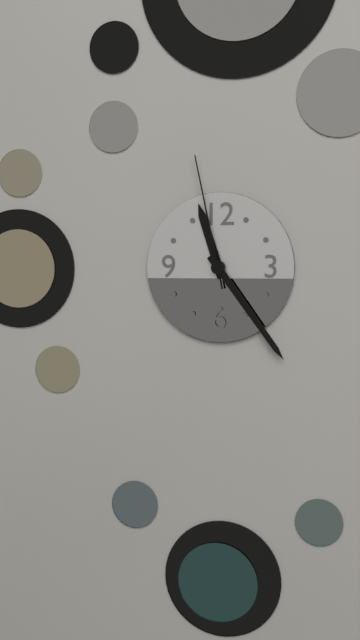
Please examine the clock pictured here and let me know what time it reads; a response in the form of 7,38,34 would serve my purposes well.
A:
11,24,58
